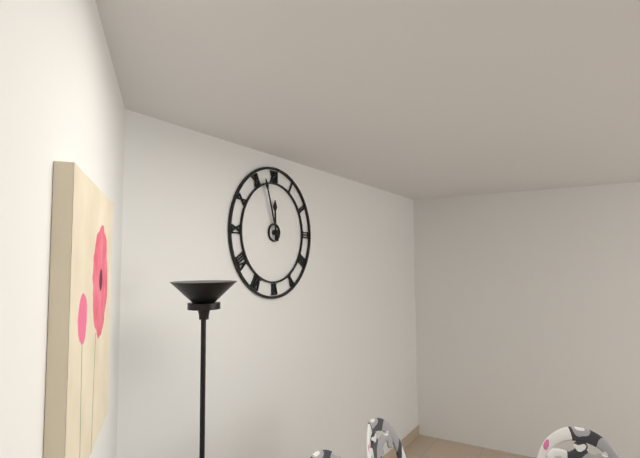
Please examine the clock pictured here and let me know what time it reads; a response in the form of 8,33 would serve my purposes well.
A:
11,57
